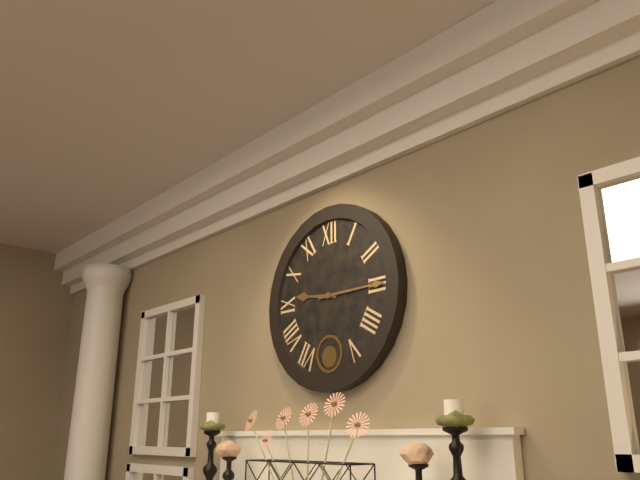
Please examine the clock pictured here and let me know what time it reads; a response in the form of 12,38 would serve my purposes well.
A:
9,15
